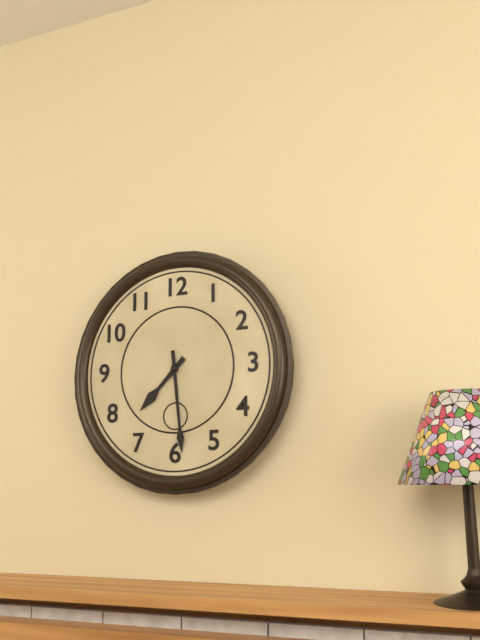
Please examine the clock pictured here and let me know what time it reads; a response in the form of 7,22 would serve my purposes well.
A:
7,29
